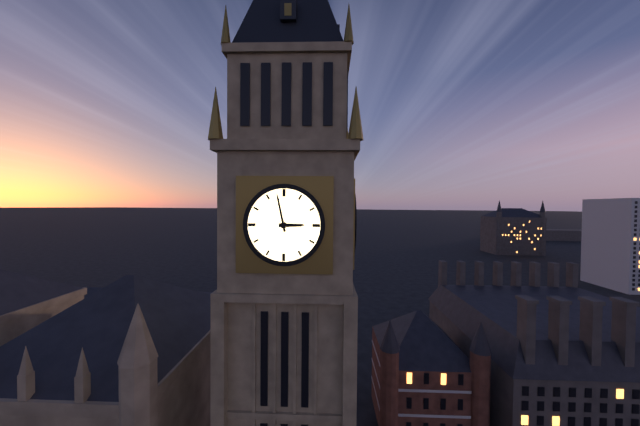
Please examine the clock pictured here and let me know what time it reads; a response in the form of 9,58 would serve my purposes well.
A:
2,58
